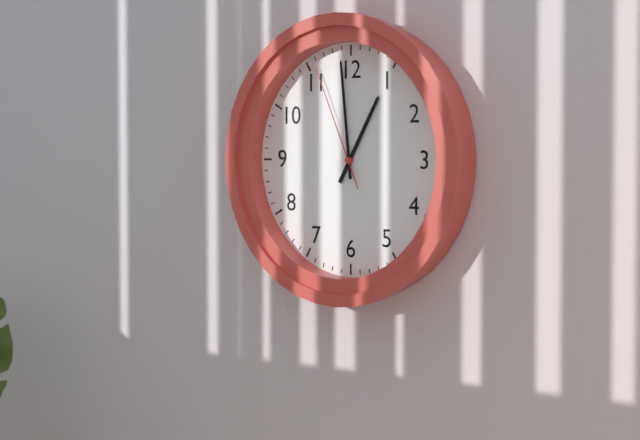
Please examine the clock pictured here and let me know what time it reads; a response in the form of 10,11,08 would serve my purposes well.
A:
12,59,56
